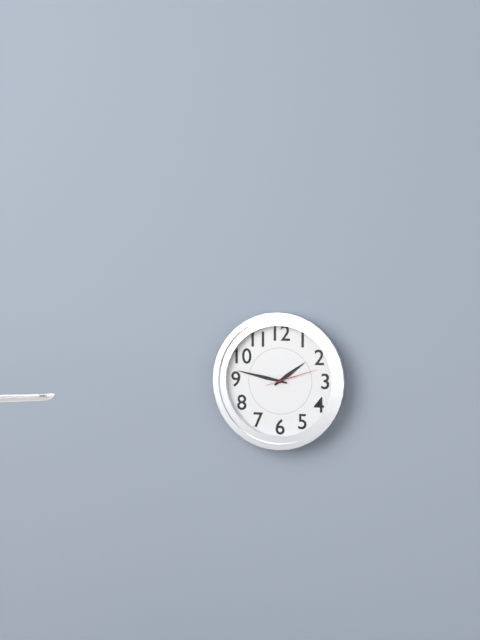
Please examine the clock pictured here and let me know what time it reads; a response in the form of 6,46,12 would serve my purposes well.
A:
1,47,12
